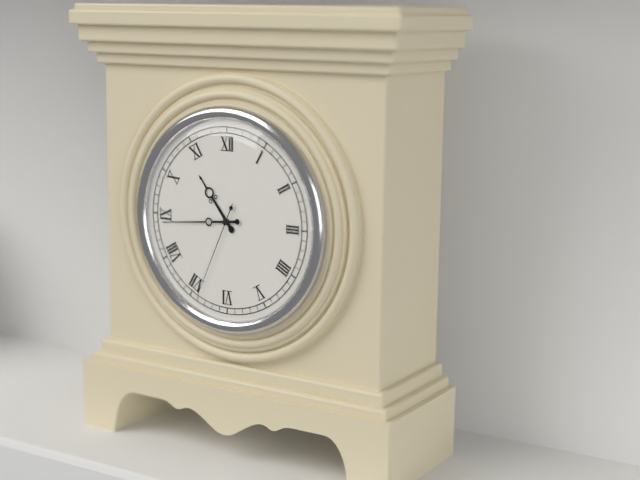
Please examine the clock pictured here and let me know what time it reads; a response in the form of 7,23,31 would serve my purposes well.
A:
10,44,34
